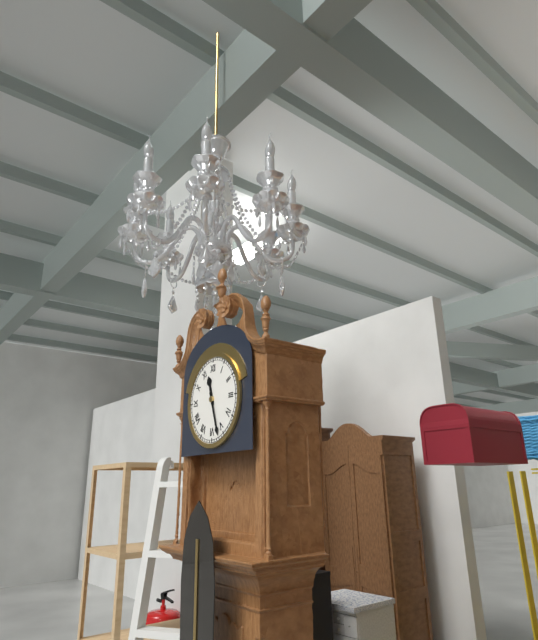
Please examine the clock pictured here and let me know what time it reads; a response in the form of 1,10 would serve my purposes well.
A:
11,27
